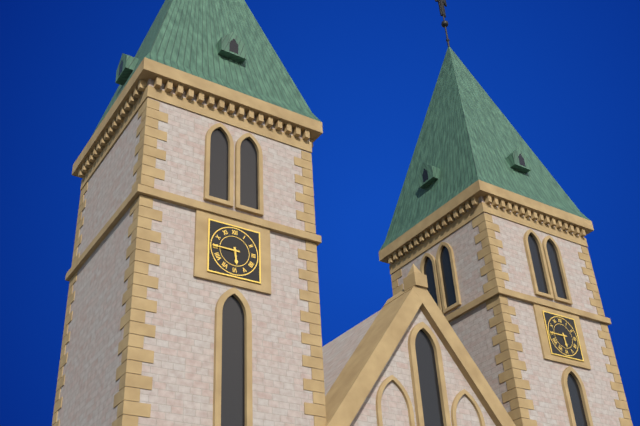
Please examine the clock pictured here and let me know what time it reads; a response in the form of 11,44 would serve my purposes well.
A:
5,45
